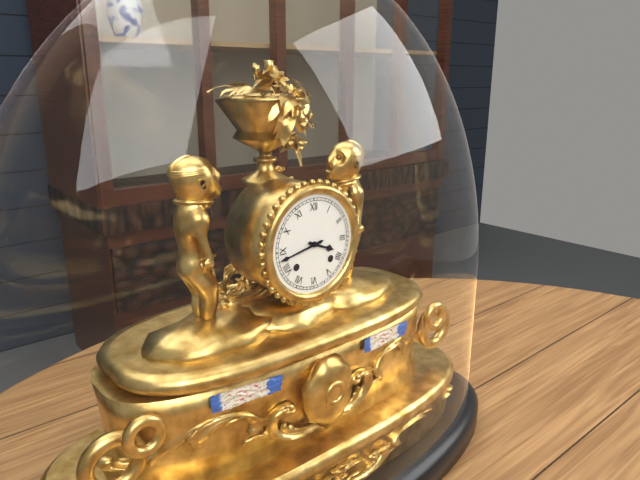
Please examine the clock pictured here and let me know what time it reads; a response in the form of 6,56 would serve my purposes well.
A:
3,43
